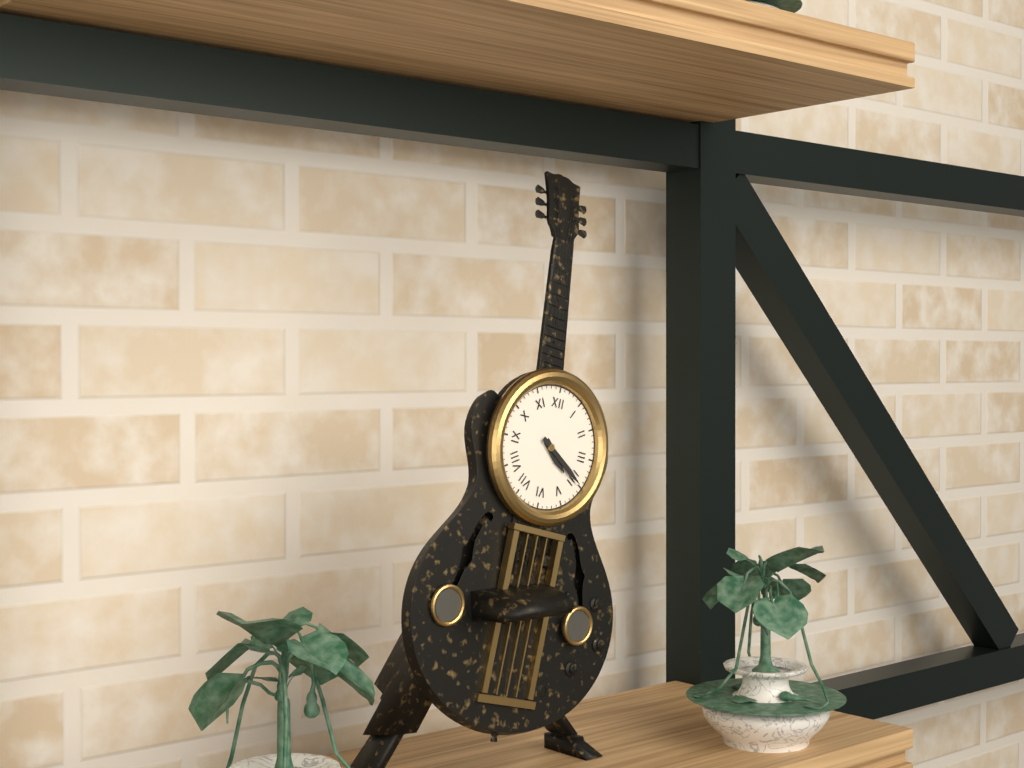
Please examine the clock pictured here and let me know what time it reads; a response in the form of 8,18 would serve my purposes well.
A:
4,20
